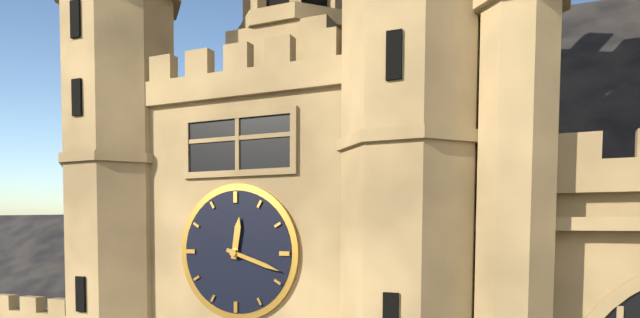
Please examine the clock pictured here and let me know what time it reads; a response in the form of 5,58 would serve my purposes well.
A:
12,18
